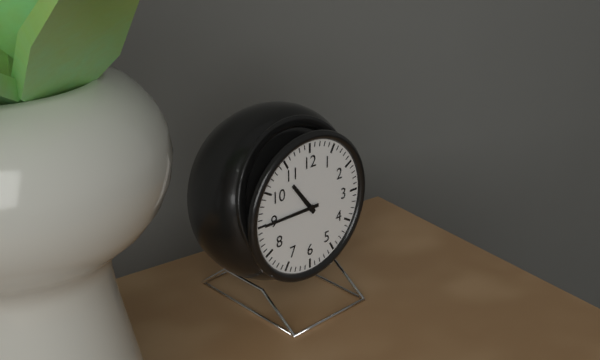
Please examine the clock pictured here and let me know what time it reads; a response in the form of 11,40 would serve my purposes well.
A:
10,45
